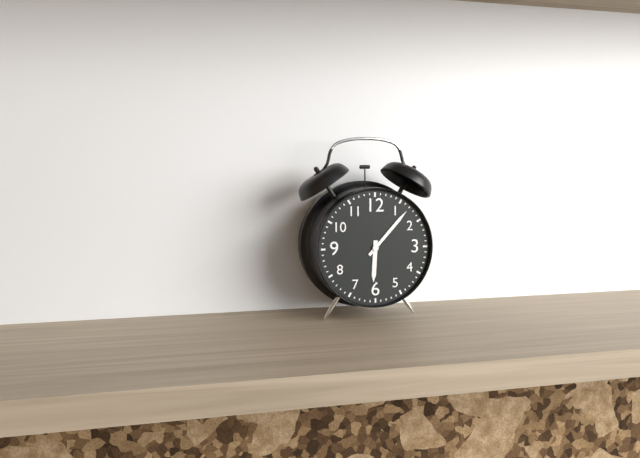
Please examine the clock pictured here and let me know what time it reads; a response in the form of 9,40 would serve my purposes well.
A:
6,07
